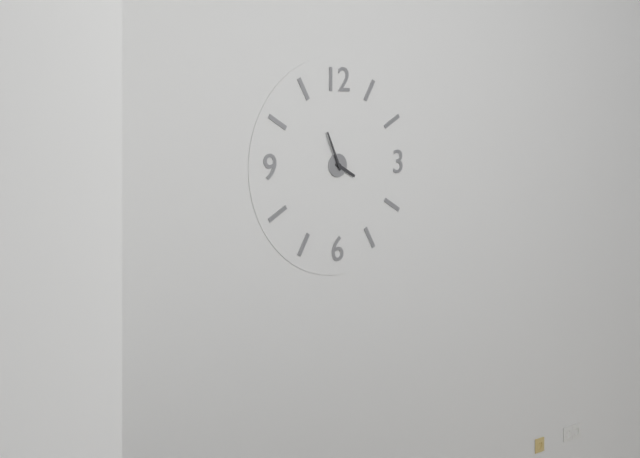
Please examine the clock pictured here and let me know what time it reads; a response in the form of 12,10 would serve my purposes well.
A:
3,56
